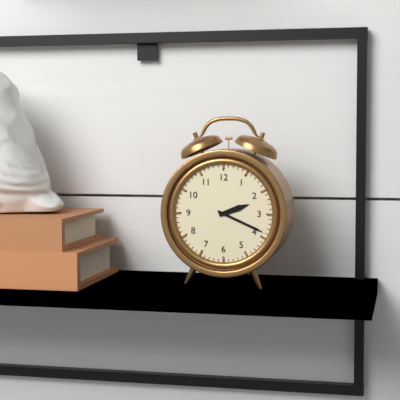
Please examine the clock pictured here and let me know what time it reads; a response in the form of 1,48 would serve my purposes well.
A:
2,19
